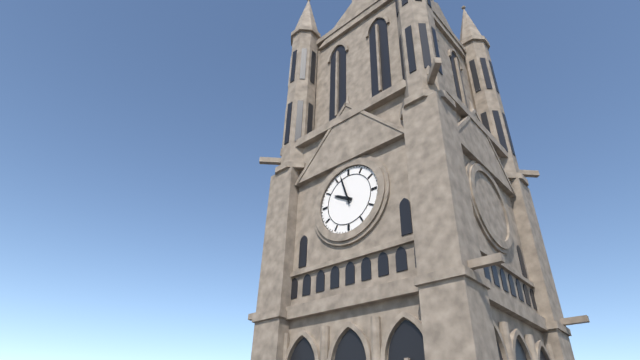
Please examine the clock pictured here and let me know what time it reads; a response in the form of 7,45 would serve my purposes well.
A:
9,57
